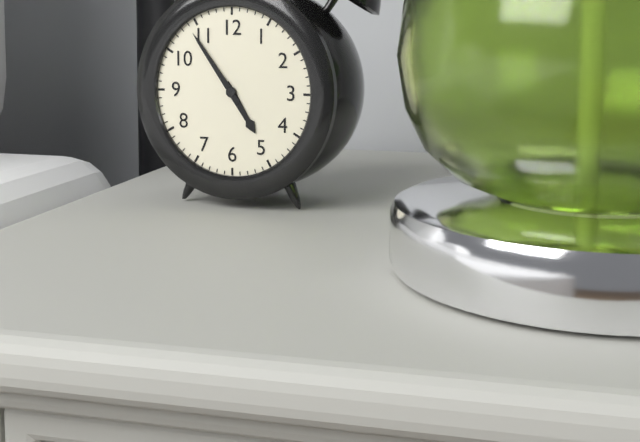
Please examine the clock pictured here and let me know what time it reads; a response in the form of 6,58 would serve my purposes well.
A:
4,54
